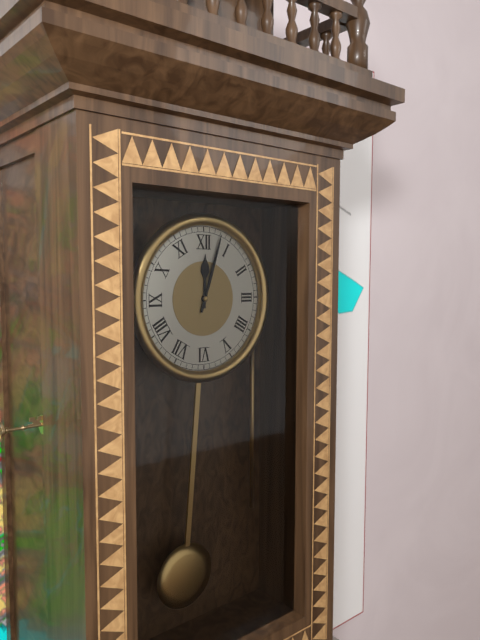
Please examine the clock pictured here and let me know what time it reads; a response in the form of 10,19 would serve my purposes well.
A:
12,03
